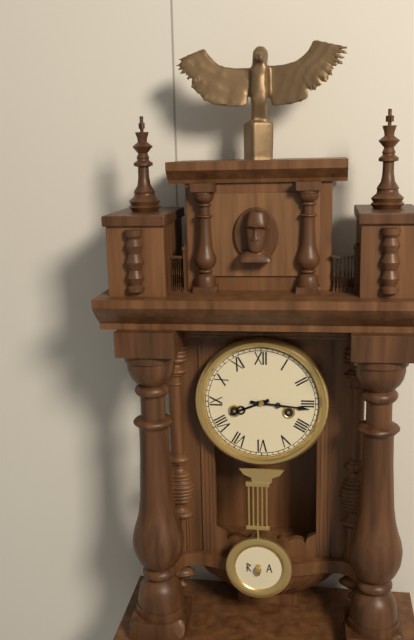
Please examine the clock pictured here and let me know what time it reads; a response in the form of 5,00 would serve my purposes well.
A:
8,16
